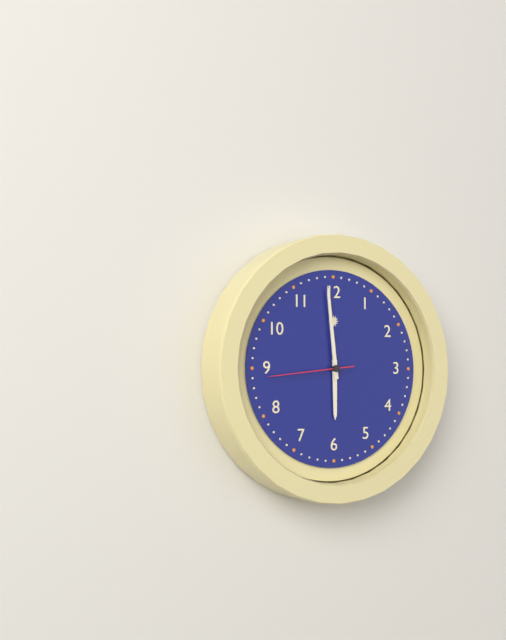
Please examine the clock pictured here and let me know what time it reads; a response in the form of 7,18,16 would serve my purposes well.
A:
5,59,44
